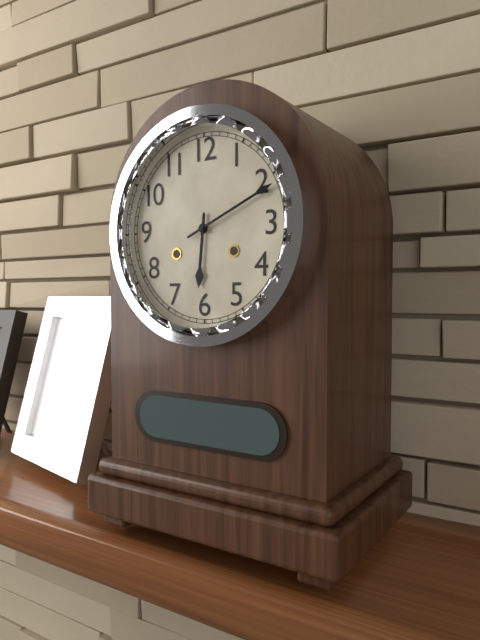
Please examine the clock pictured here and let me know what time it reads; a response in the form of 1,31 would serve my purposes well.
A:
6,11
